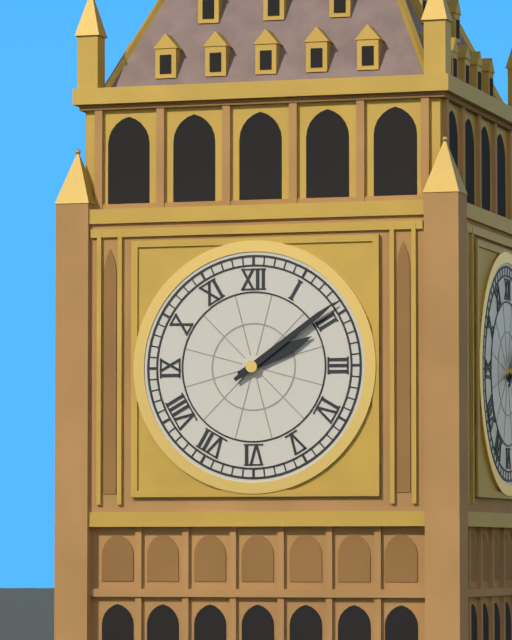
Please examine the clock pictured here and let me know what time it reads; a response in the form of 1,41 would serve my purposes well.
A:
2,09
